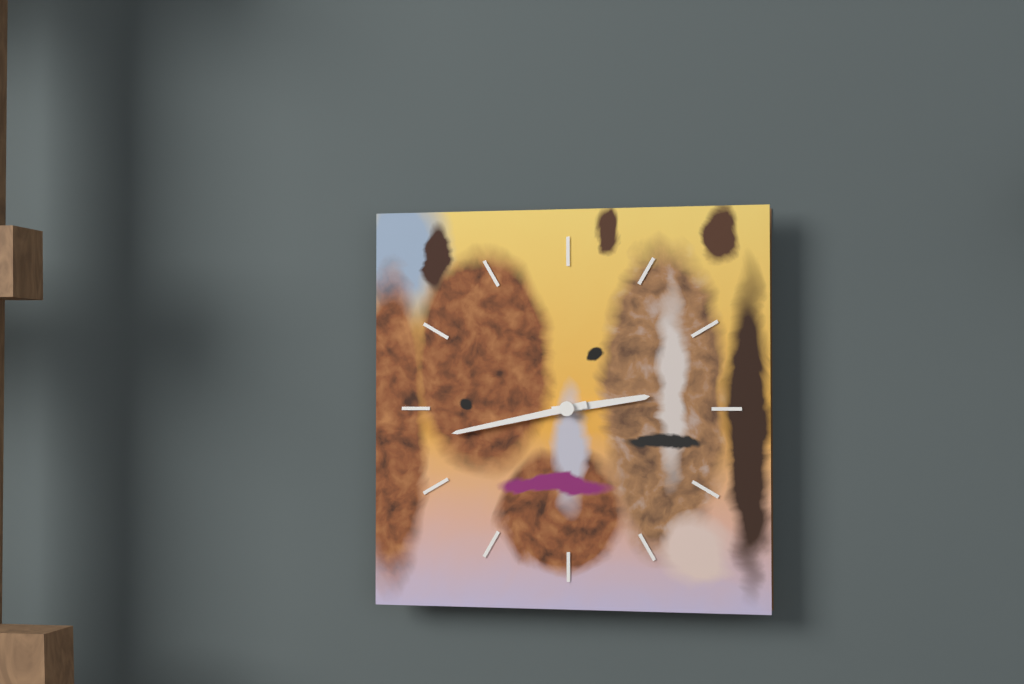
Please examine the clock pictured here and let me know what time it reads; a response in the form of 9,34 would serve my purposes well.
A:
2,43
